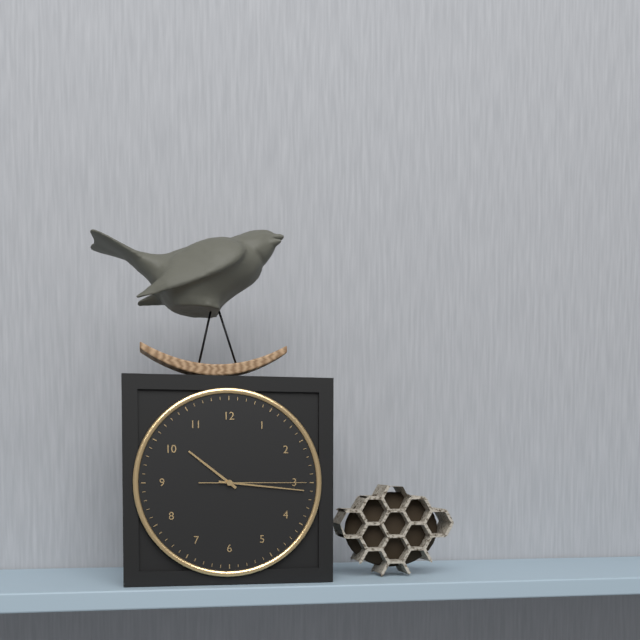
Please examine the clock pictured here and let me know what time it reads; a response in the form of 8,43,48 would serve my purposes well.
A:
10,16,15
